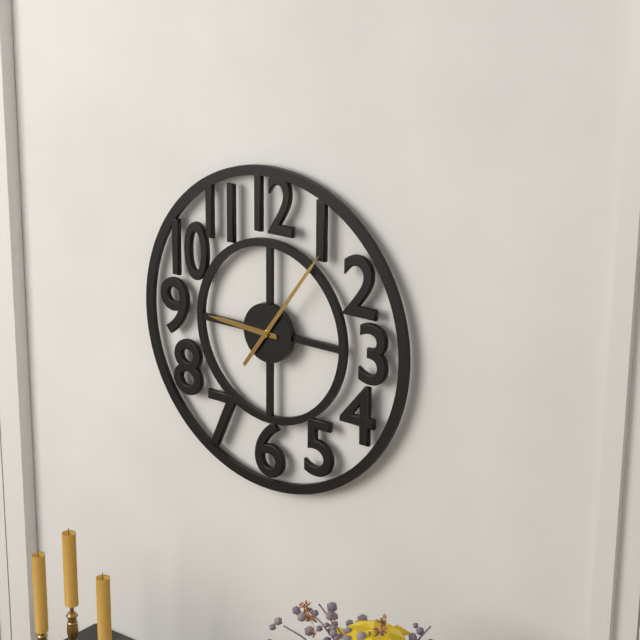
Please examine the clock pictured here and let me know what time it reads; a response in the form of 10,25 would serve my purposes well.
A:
9,06
